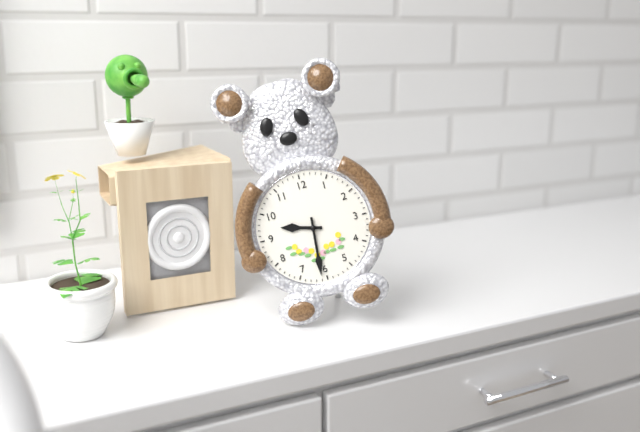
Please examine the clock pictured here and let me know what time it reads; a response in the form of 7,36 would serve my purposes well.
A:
9,31
